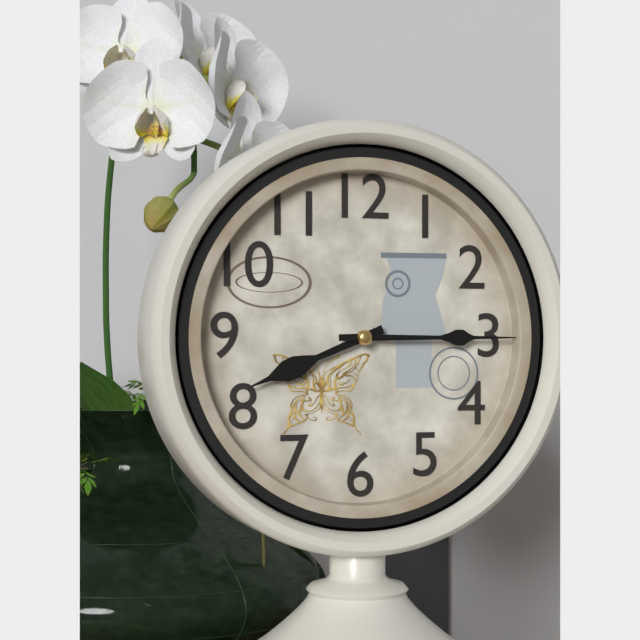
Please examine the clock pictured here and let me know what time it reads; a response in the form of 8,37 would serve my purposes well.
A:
8,15
